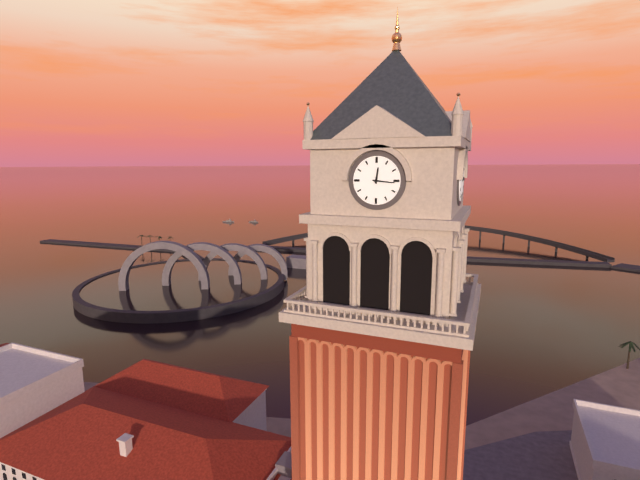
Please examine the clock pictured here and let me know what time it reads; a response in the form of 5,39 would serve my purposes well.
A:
12,16
